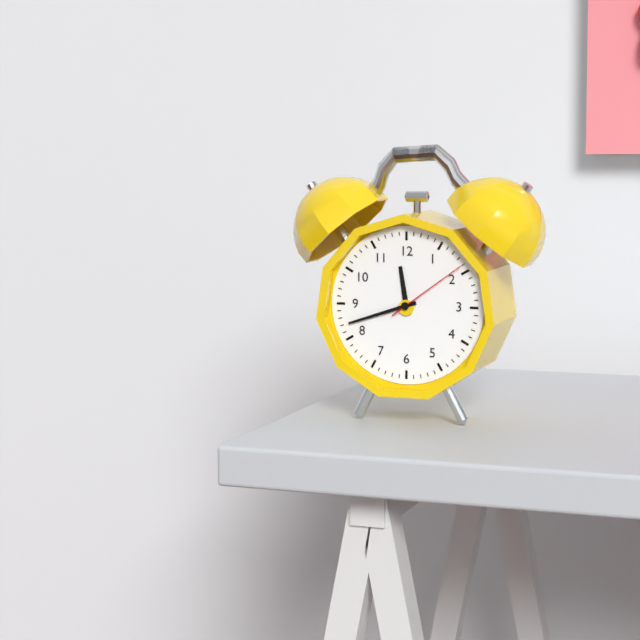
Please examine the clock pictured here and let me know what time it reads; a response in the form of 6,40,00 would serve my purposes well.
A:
11,42,09
